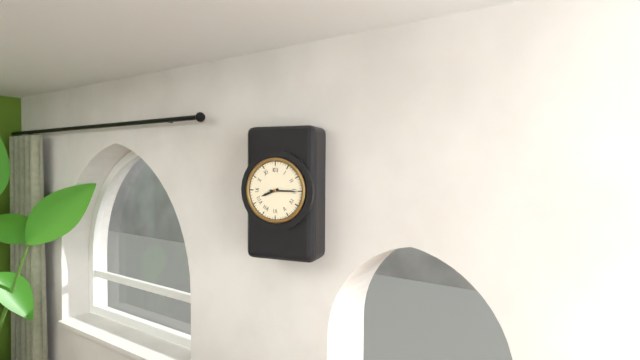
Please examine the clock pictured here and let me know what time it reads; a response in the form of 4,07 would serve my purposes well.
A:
8,15
